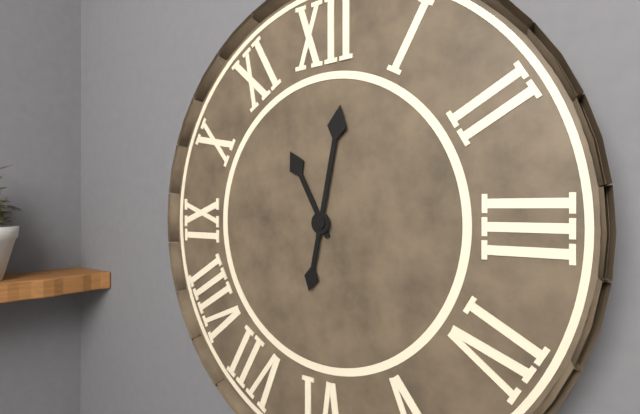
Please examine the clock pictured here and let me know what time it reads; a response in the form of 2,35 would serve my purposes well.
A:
11,02
